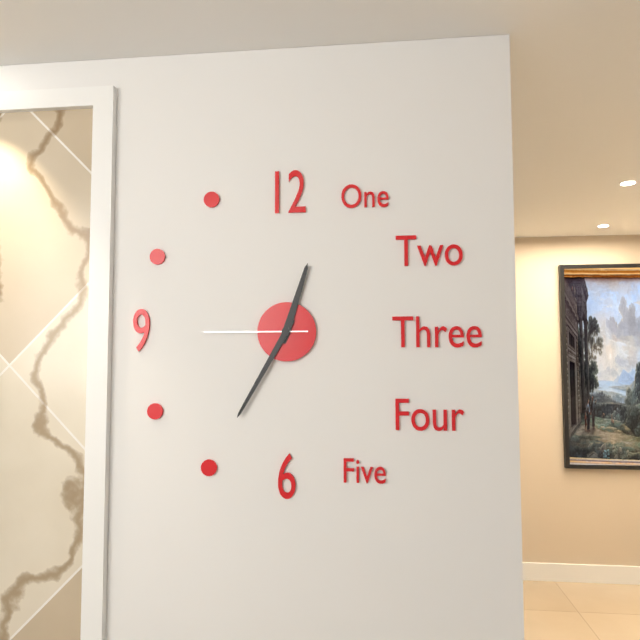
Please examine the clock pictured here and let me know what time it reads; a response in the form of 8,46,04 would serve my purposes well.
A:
12,35,45
